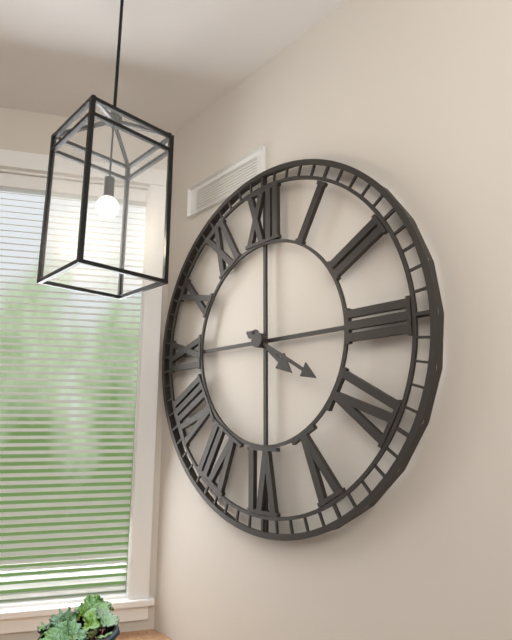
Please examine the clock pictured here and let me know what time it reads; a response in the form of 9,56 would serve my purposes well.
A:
4,20
